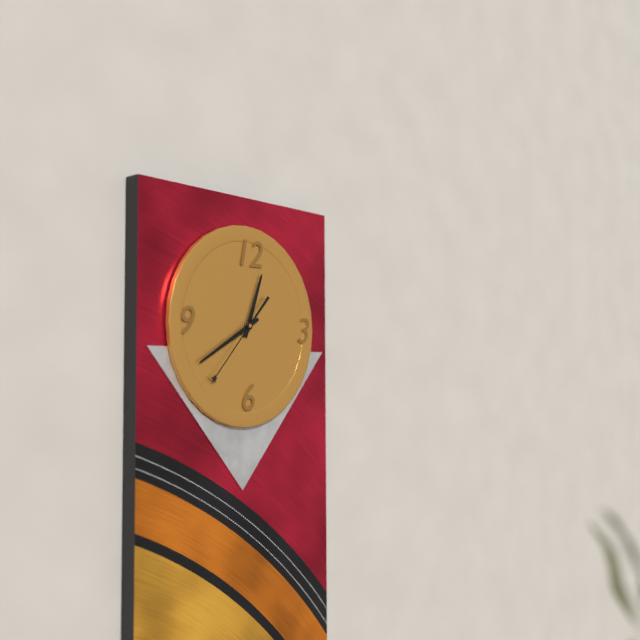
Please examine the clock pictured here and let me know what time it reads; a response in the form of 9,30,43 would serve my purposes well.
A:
12,40,37
